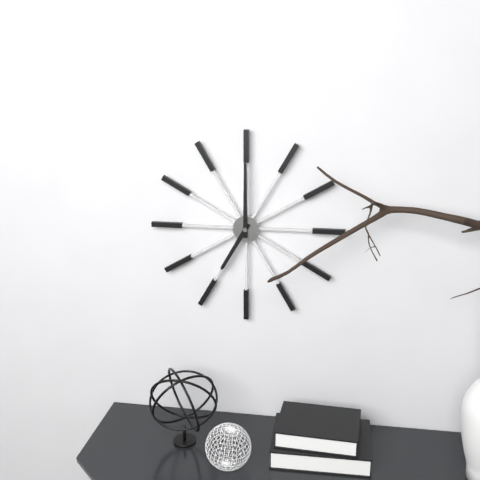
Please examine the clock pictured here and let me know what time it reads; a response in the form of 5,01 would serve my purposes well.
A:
7,00
